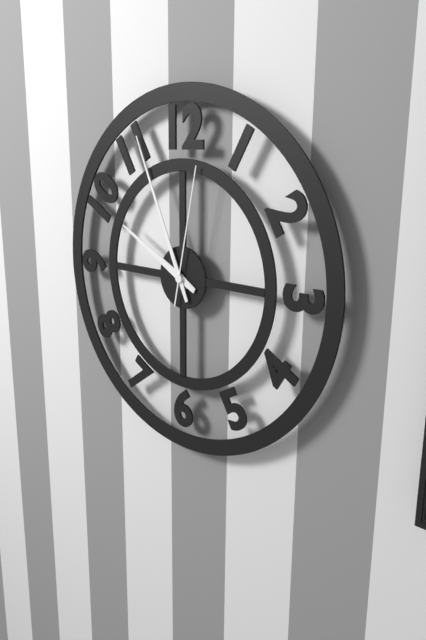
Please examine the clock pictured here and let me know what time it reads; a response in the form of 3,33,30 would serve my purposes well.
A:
9,56,02
